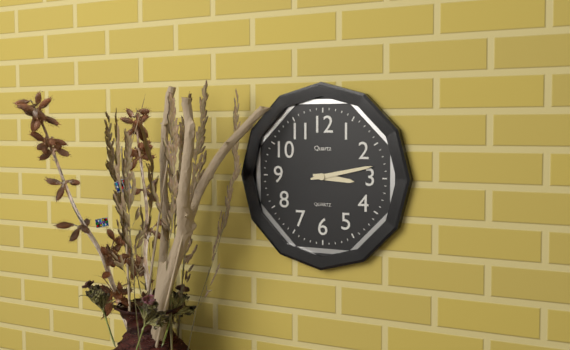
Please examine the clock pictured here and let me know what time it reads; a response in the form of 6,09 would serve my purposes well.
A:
3,13
